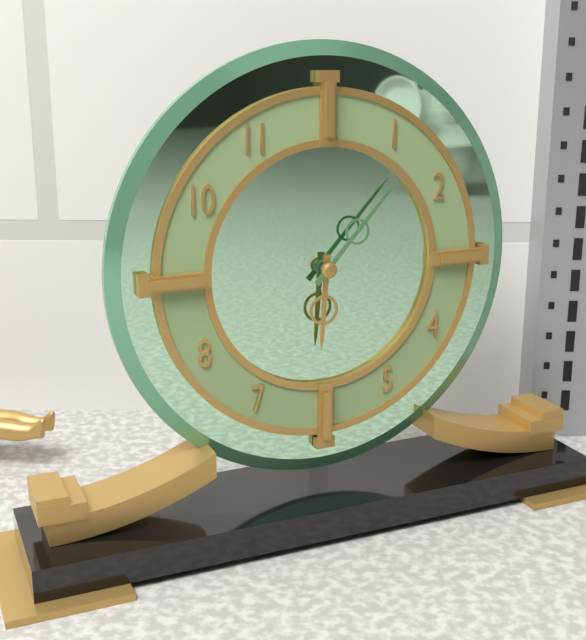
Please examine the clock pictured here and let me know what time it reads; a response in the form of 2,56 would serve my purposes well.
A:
6,07
